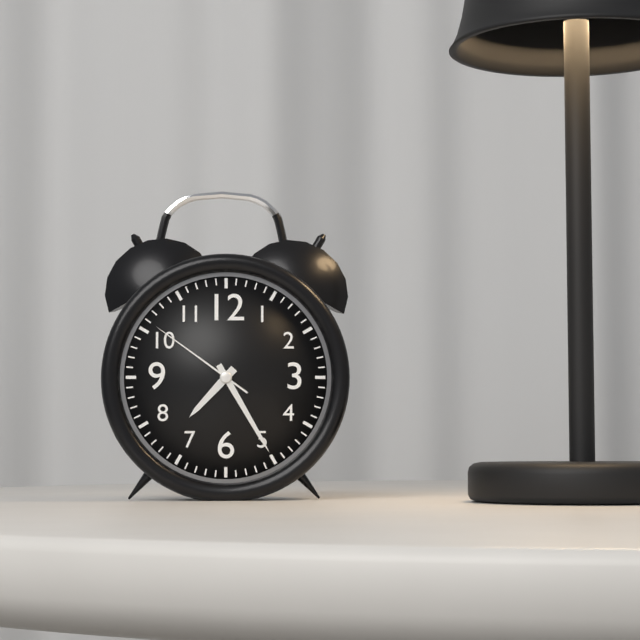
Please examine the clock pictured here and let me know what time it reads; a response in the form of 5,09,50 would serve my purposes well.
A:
7,25,51
